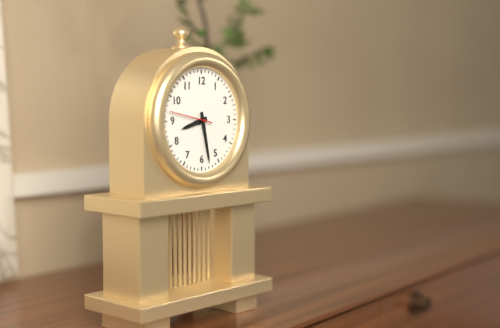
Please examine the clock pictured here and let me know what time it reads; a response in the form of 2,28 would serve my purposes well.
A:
8,28
